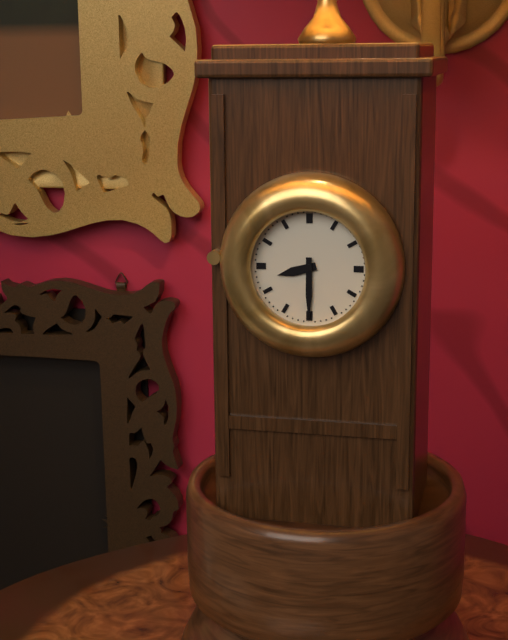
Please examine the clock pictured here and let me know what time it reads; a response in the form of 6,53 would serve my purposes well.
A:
8,30
